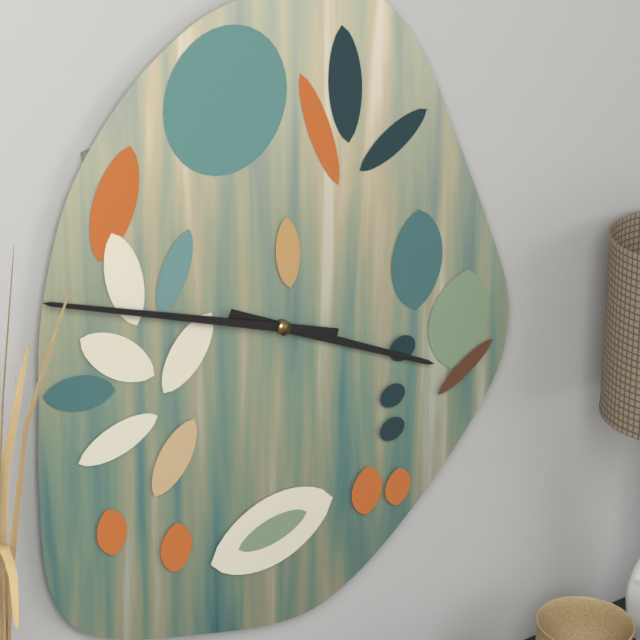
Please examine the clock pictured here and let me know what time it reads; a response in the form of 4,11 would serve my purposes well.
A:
3,48
